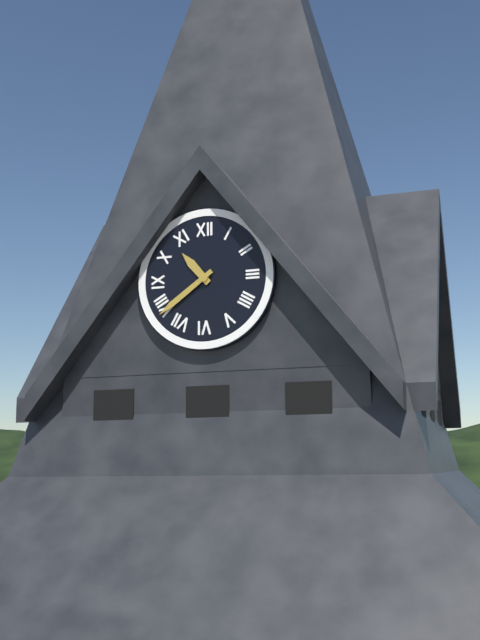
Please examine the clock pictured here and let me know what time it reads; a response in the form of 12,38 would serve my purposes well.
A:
10,39
